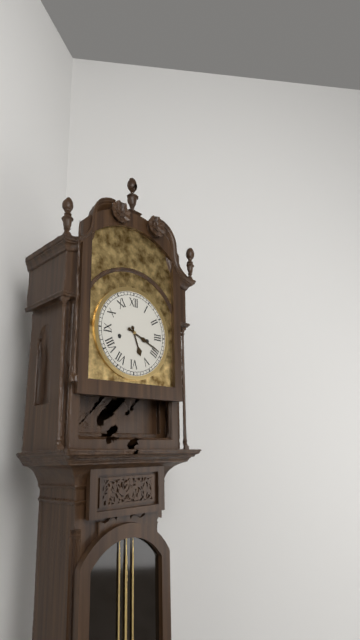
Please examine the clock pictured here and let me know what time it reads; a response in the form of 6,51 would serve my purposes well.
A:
5,19
